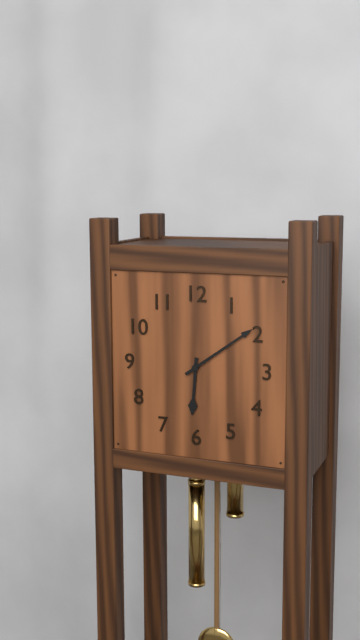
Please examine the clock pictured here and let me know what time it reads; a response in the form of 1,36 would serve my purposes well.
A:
6,09
